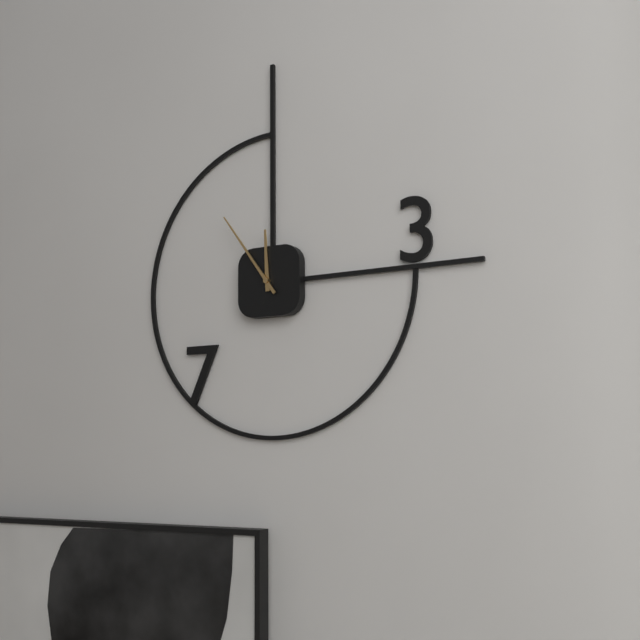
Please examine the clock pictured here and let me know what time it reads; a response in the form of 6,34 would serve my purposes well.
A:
11,54
